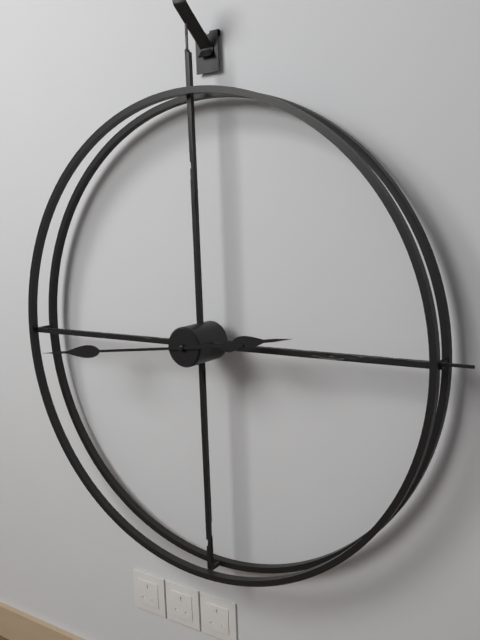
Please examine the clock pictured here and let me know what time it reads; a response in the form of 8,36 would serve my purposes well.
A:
2,44
